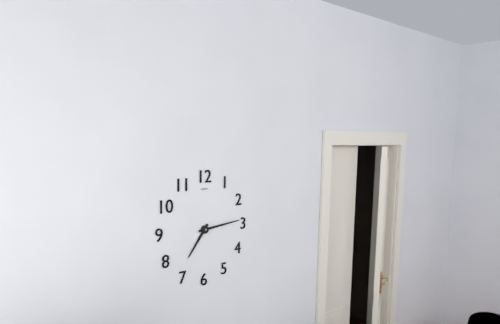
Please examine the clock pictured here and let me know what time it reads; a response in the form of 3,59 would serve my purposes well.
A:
7,14
